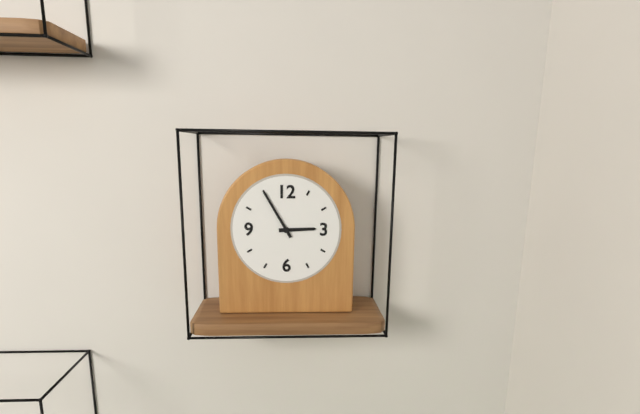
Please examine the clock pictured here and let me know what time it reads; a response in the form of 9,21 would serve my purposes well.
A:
2,55
